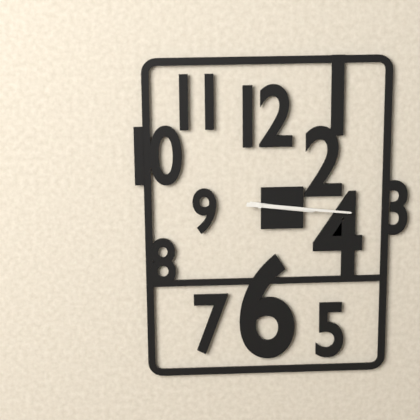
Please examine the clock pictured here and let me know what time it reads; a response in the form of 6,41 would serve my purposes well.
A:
3,16
